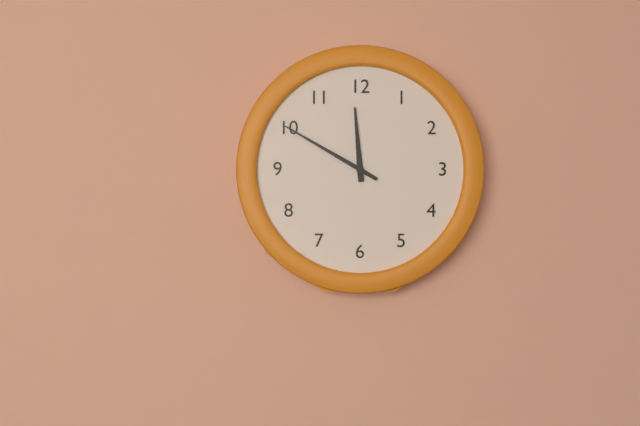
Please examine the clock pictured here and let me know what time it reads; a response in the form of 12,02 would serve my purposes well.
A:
11,50
